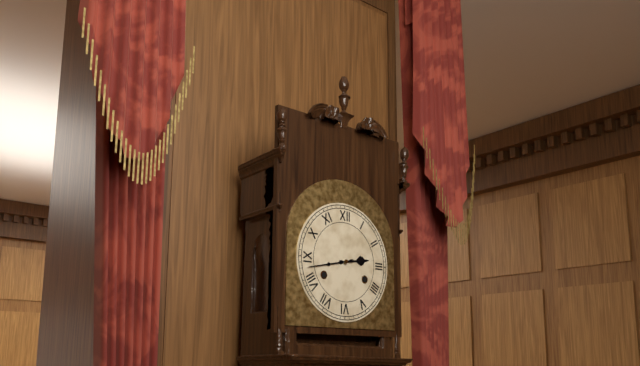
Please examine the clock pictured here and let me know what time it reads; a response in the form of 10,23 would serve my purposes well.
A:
2,43
